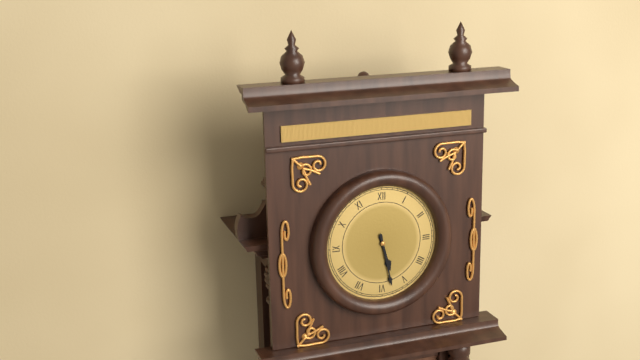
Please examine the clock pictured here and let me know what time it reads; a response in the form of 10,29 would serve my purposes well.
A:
5,28
